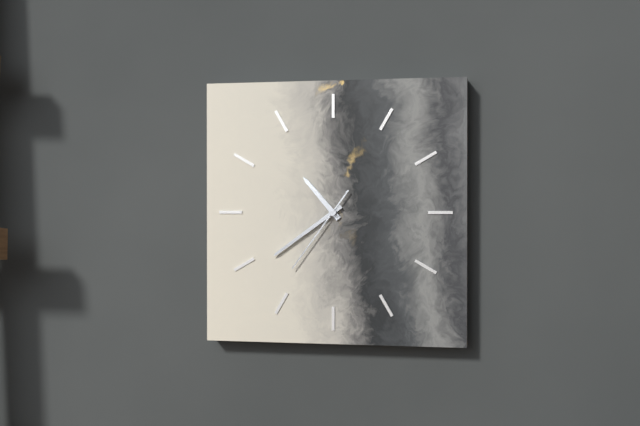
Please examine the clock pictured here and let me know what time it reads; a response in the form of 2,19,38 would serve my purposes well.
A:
10,39,36
